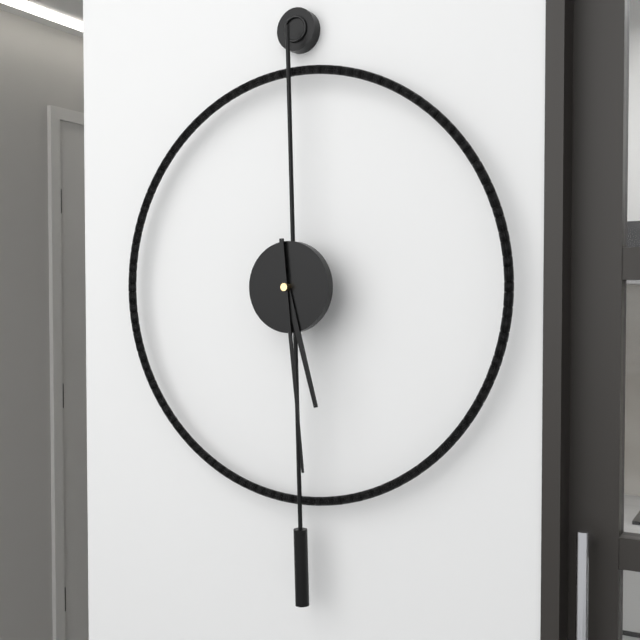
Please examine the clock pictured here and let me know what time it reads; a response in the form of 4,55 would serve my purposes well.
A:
5,29
